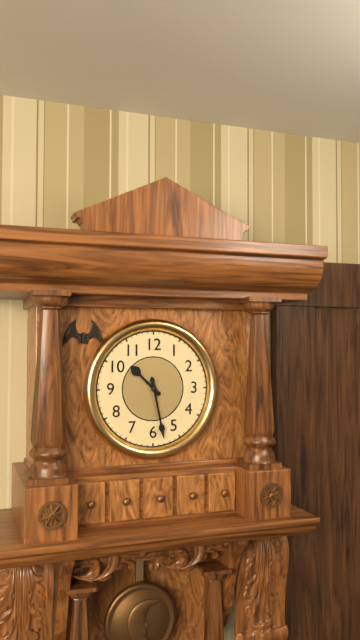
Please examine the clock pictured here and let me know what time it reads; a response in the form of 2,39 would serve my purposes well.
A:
10,28
